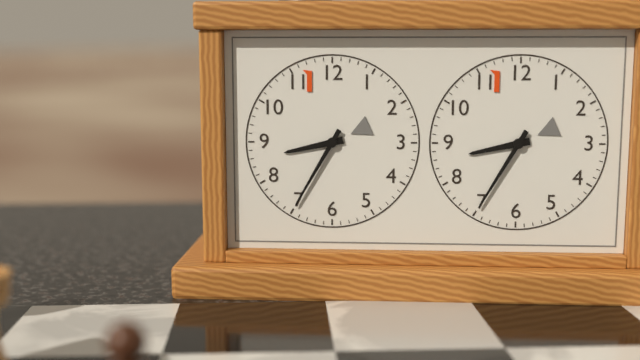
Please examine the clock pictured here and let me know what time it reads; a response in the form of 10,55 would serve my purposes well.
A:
8,35
